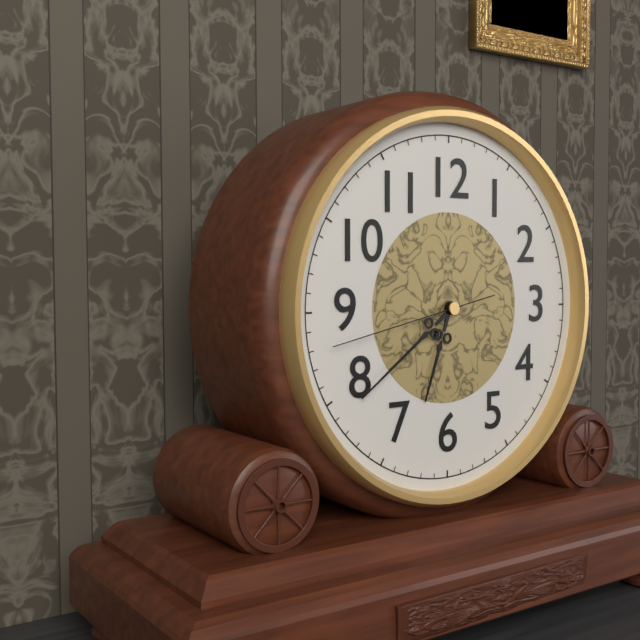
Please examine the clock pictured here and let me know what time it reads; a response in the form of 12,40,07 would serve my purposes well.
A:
6,39,43
